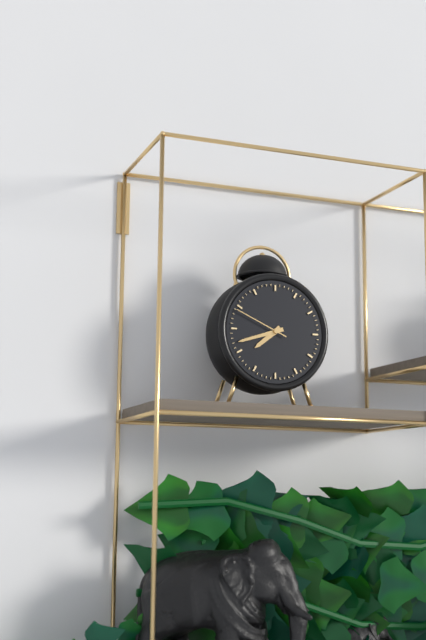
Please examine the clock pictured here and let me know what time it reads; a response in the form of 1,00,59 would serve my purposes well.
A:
7,42,49
